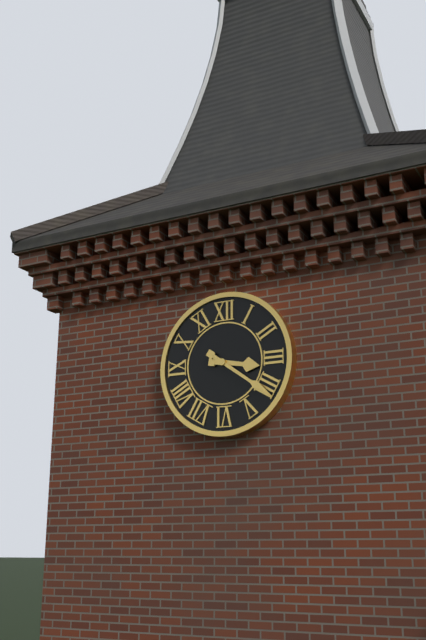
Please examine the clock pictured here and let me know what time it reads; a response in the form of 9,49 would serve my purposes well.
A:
3,21
